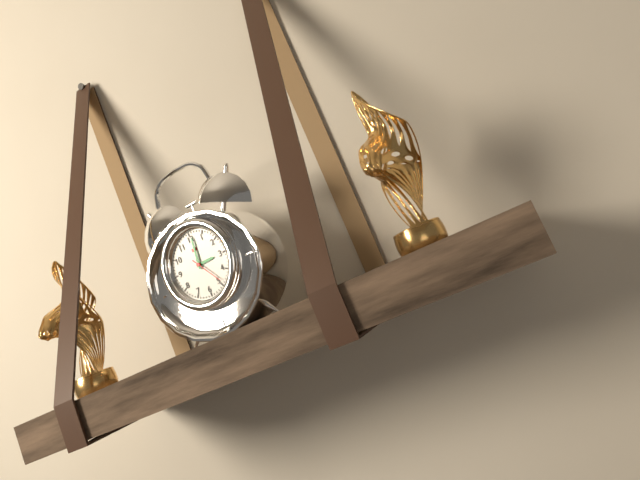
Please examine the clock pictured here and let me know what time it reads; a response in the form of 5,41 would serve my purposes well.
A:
3,01
